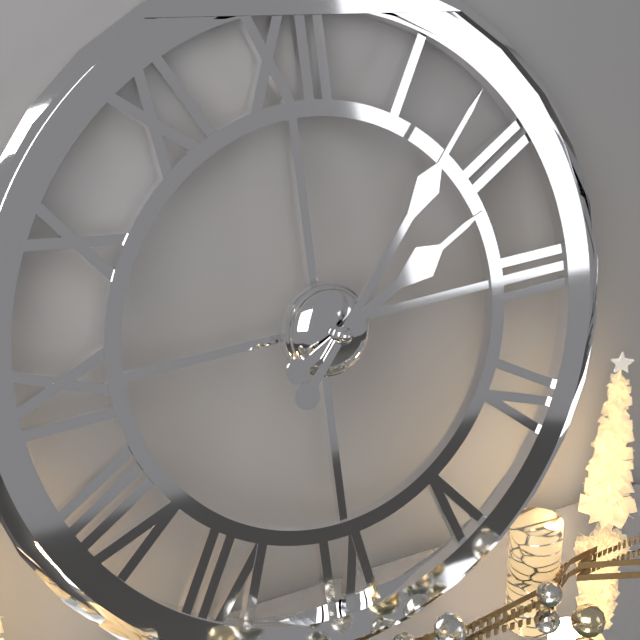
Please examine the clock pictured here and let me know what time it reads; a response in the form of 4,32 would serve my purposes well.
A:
2,07
